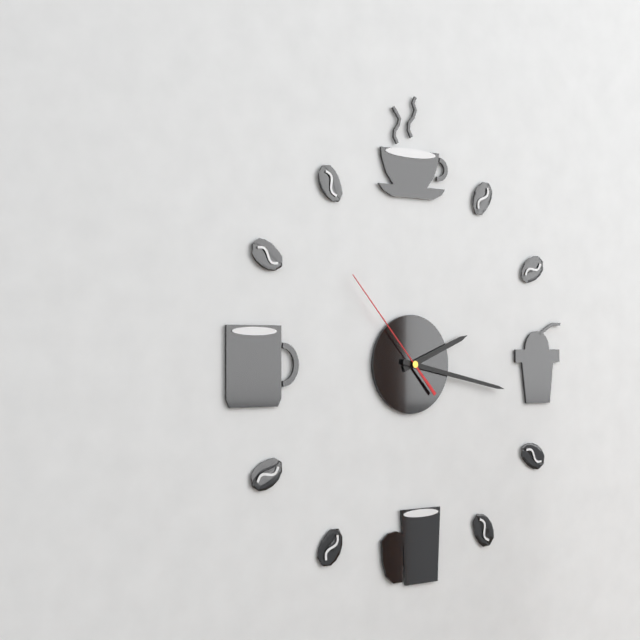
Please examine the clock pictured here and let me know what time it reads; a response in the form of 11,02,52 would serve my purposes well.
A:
2,17,53
